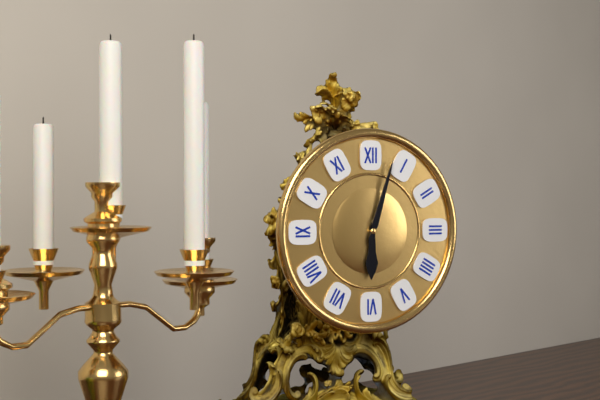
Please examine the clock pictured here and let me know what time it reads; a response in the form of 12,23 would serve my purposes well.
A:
6,03
